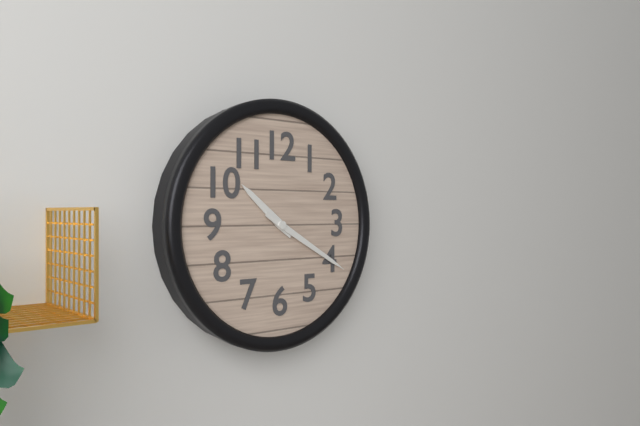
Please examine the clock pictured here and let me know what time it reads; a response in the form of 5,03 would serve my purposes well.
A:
10,20
